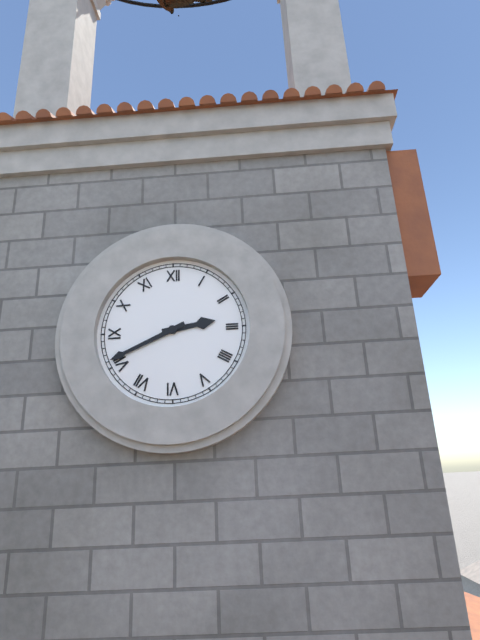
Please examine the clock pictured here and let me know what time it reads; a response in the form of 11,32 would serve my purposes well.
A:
2,41
